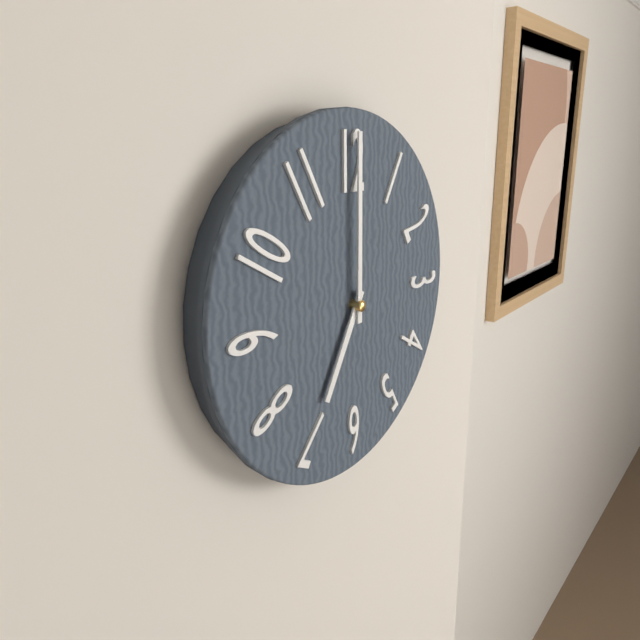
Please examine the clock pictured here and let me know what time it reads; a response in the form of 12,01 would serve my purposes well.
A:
7,00
